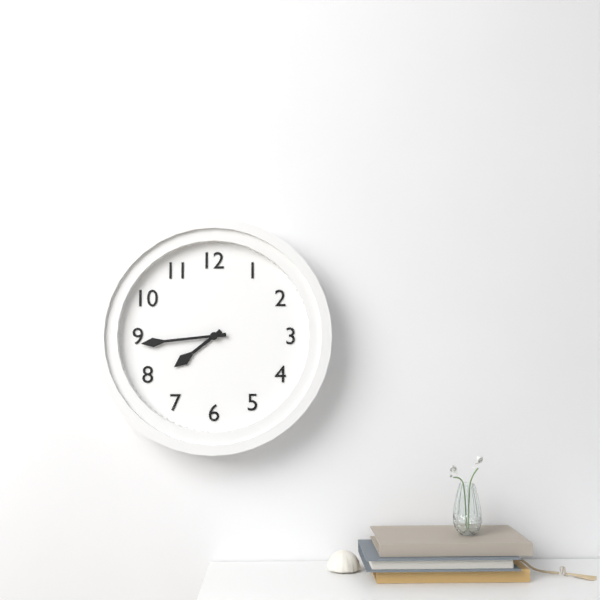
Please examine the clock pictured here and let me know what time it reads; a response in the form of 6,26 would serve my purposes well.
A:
7,44
